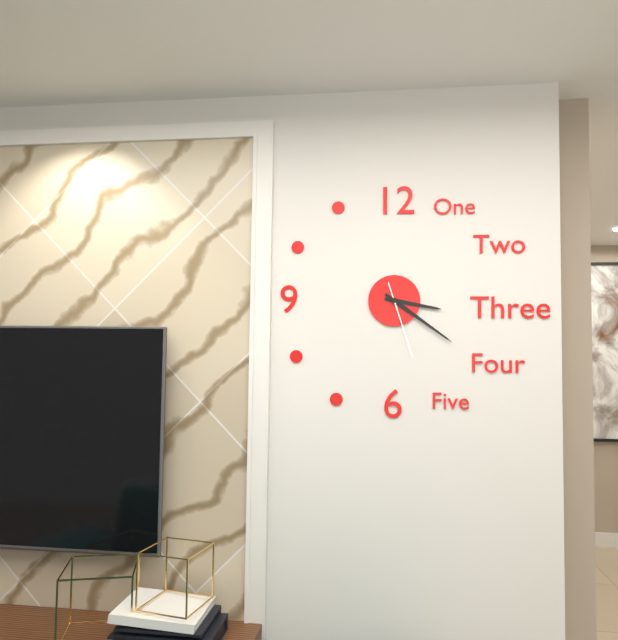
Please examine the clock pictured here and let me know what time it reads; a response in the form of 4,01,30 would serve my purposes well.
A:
3,21,27
